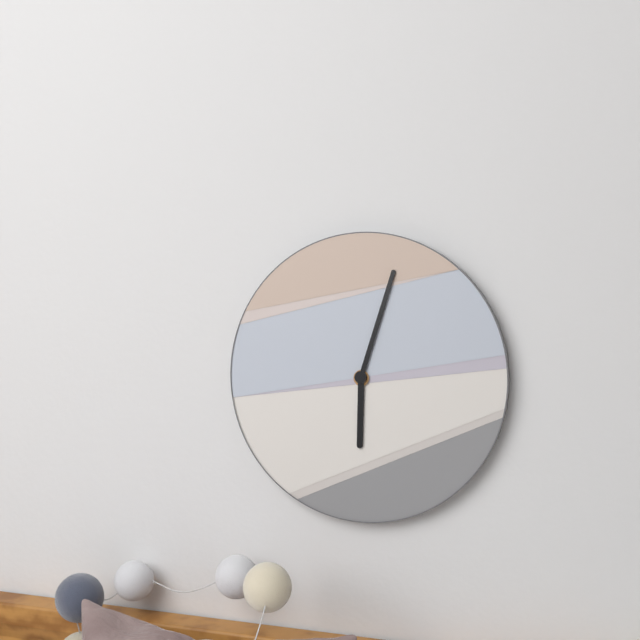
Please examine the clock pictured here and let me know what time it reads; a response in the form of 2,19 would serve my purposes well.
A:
6,03
